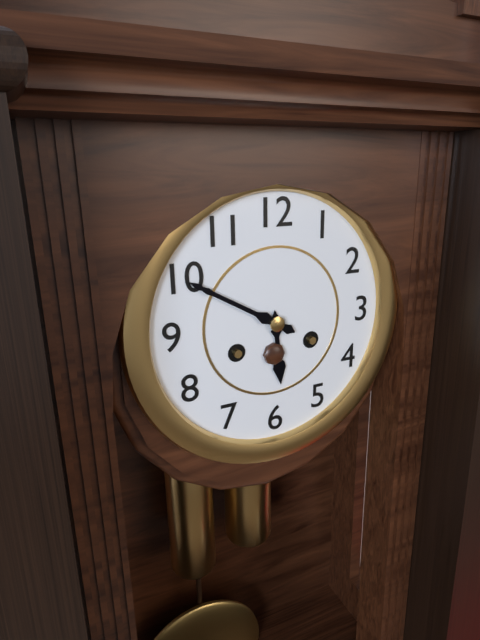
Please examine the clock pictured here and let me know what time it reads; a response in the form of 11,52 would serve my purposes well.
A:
5,50
